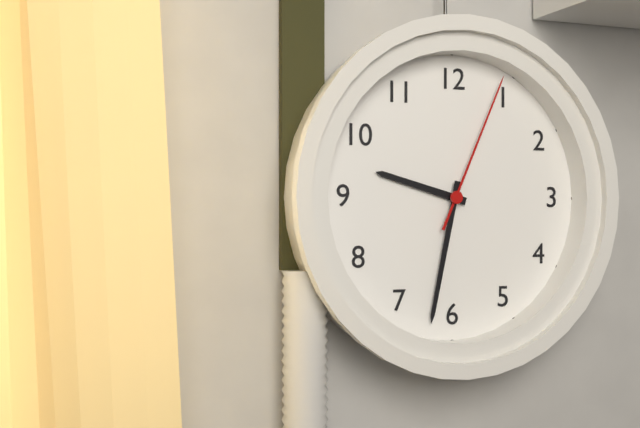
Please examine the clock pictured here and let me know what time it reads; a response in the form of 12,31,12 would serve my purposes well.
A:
9,32,04
